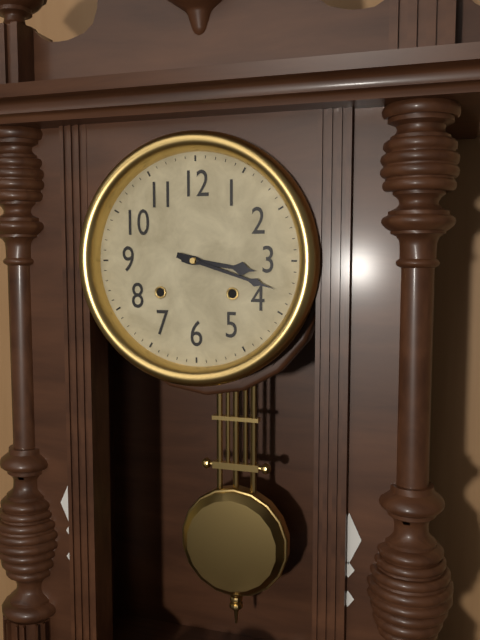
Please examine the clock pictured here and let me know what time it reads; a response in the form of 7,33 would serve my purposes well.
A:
3,18
